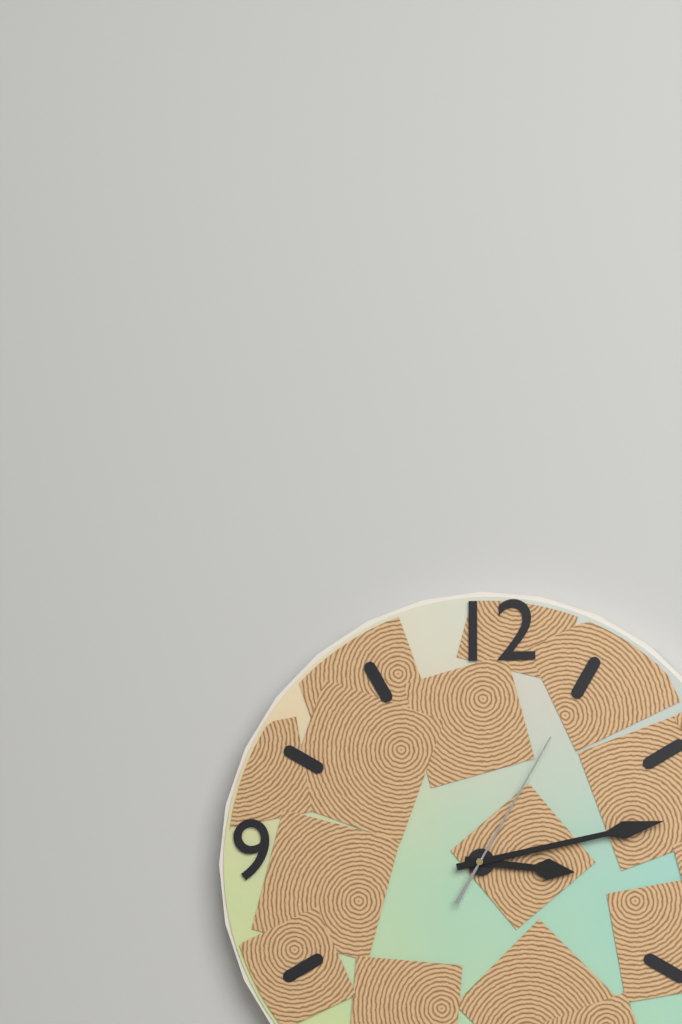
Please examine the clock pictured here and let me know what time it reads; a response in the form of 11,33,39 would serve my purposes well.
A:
3,13,05
